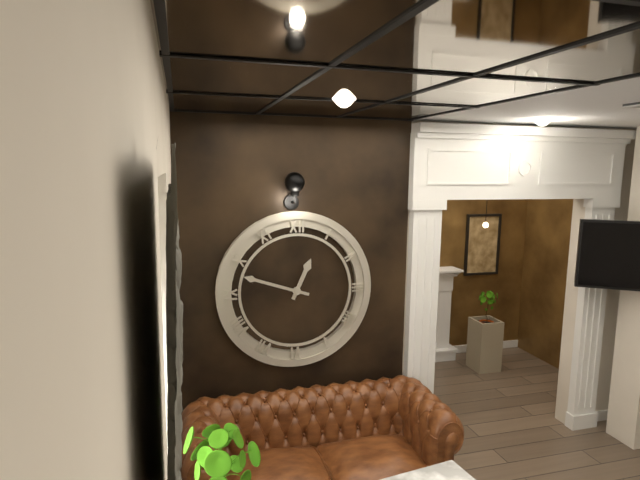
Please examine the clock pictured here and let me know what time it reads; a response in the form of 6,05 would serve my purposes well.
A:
12,48
